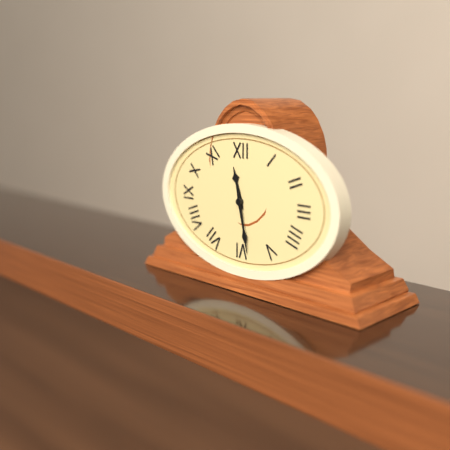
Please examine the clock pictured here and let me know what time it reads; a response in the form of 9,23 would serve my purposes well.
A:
11,28
